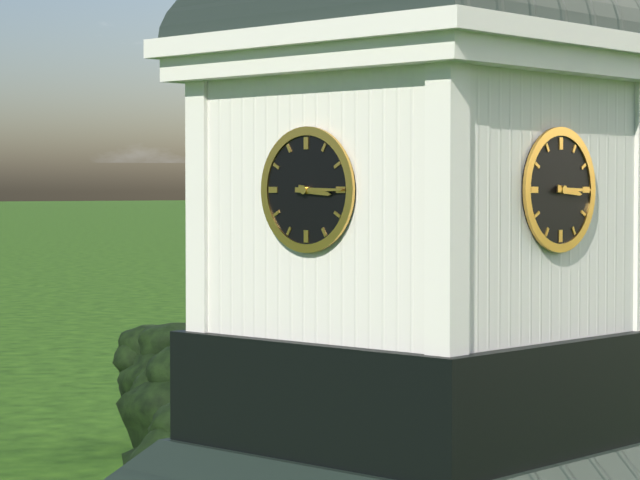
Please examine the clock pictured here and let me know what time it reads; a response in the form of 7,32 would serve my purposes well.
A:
3,15
